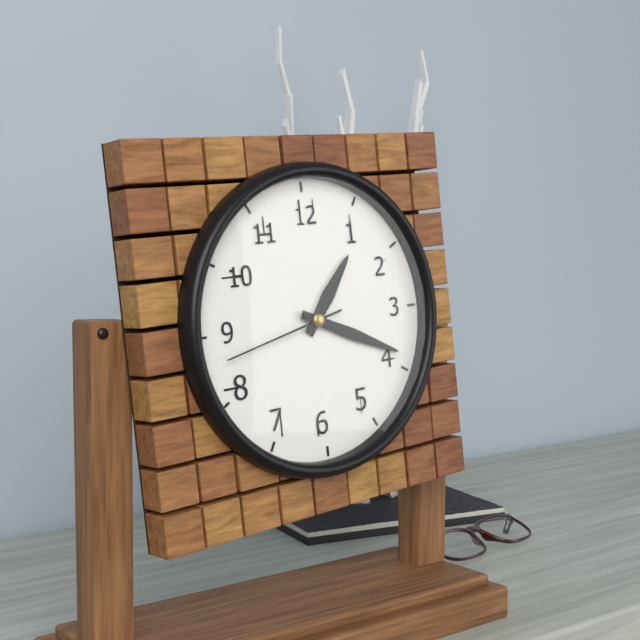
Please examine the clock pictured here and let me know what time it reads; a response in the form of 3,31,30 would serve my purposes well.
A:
1,19,43
